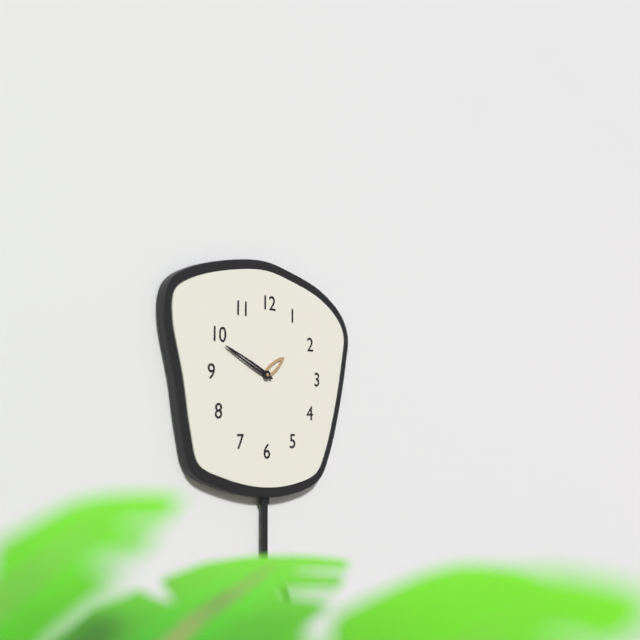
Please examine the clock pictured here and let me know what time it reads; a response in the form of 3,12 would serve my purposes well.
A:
1,49
